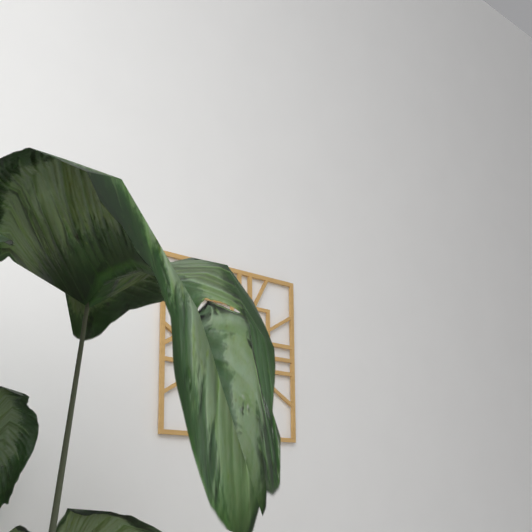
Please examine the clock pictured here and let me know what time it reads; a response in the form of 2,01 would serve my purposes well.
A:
2,45
